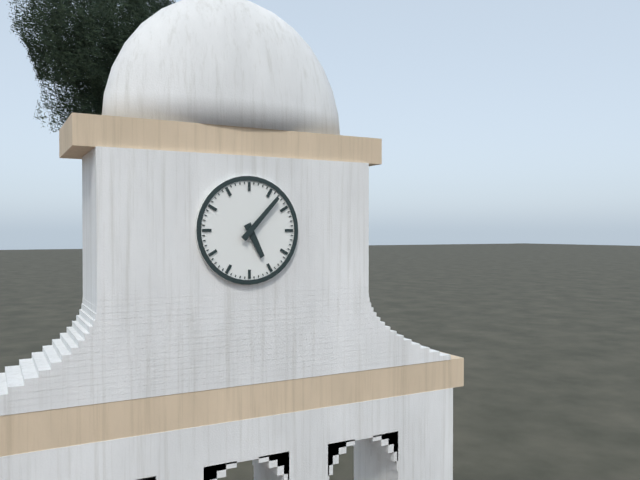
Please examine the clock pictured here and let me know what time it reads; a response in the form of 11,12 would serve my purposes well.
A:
5,07
